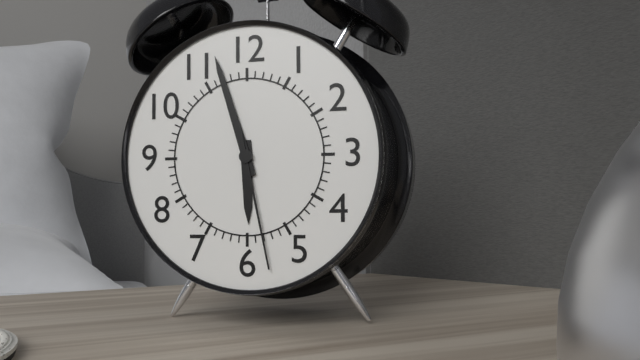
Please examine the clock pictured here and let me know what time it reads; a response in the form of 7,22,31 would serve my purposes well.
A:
5,57,28
